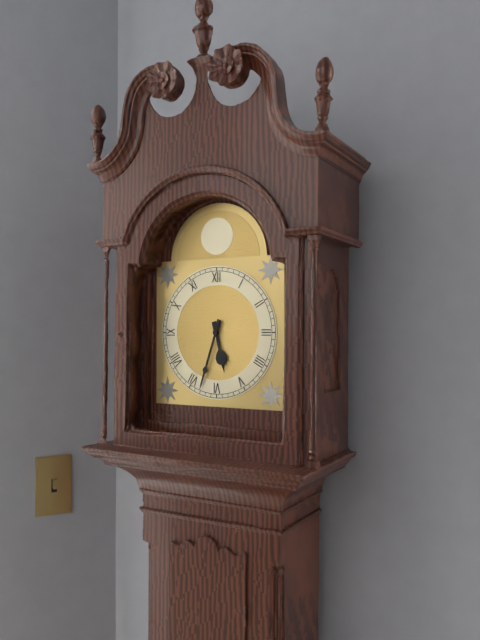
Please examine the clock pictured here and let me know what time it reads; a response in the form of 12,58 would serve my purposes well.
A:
5,33
